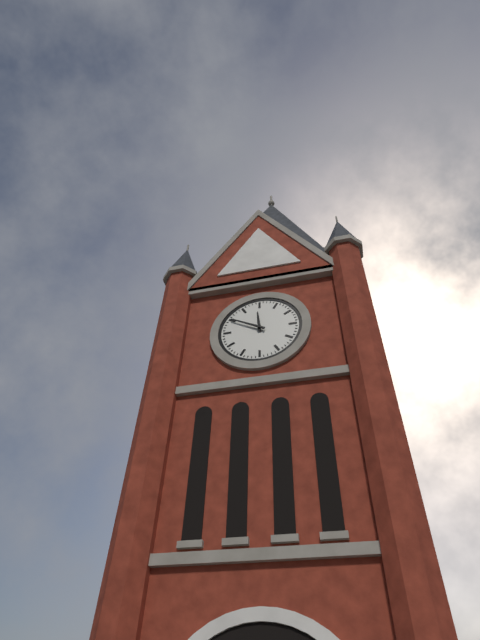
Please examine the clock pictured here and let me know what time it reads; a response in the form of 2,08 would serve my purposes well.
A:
11,50
